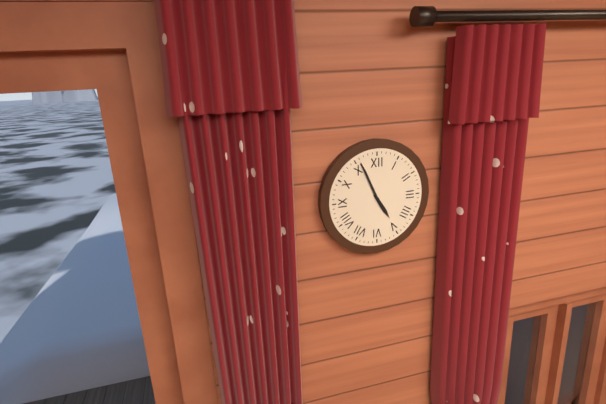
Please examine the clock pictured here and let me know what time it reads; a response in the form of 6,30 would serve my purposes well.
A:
4,56
